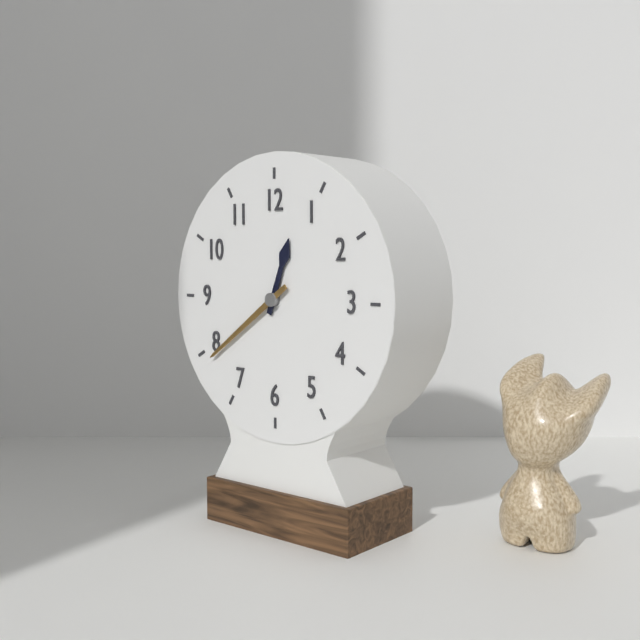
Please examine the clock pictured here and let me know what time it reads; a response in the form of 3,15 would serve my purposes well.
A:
12,39
